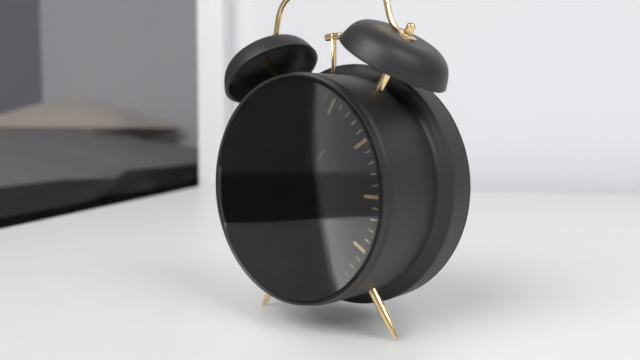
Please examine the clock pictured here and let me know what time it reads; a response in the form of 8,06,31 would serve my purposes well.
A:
1,30,47
